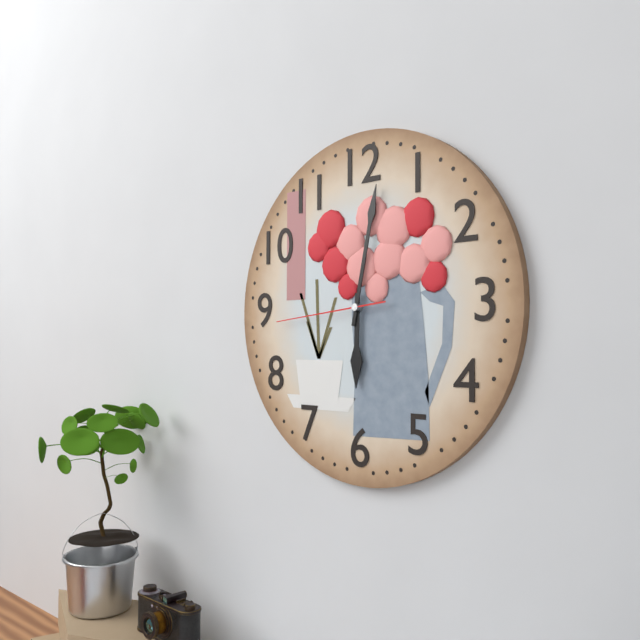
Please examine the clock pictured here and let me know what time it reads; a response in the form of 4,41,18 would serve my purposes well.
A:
6,02,44
